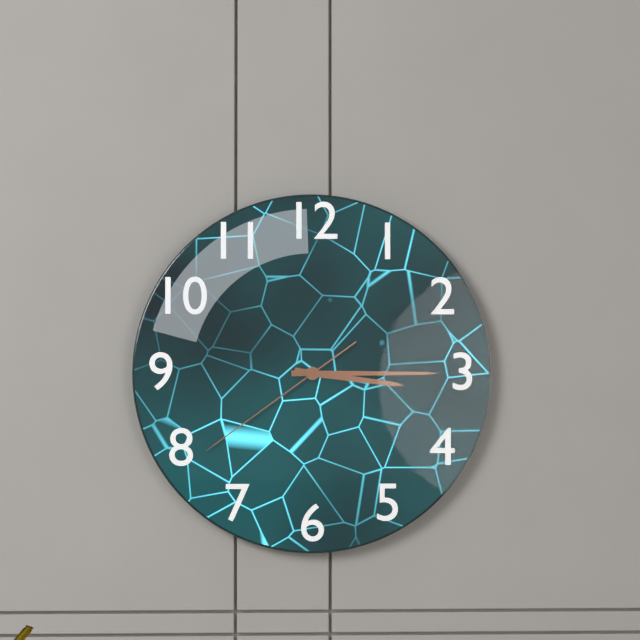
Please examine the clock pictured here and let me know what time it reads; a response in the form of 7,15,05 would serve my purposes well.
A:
3,15,39
